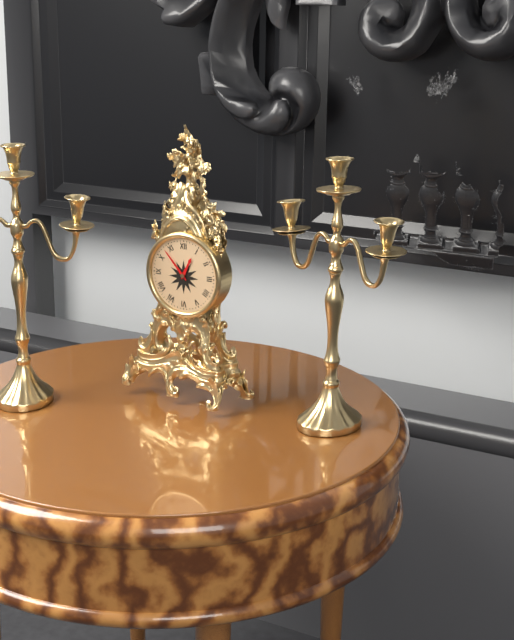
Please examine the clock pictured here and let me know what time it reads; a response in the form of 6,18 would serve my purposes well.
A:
12,53
